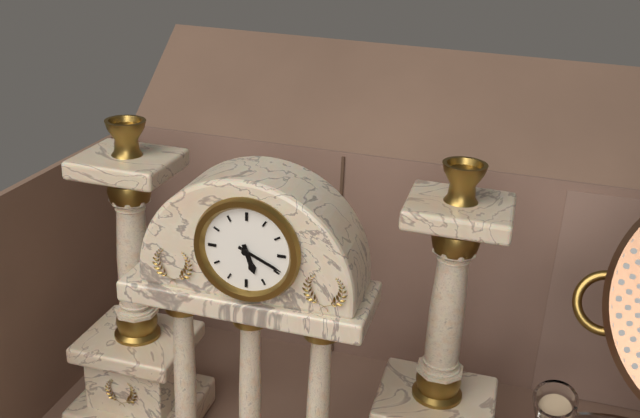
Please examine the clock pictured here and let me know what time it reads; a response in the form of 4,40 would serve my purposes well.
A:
5,19
